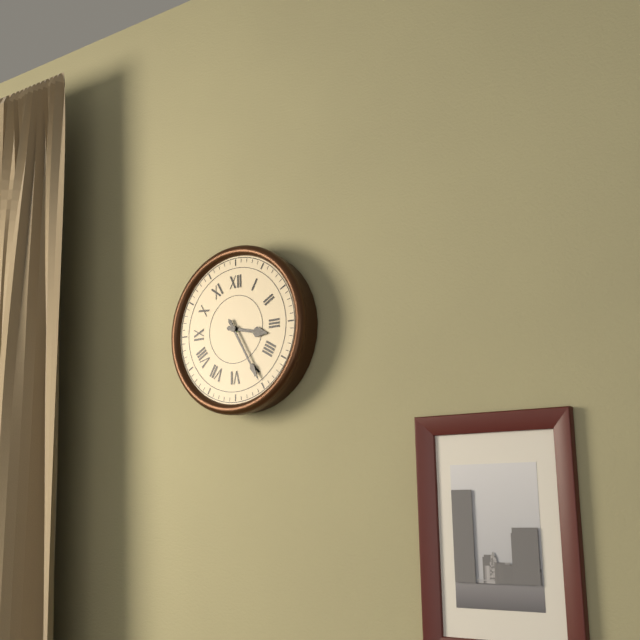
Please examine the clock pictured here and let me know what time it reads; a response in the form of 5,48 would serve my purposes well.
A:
3,25
